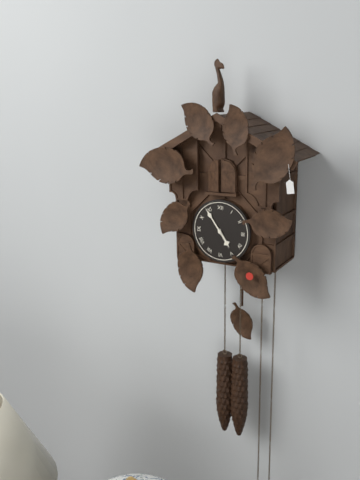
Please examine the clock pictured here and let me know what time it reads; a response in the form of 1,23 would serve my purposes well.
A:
4,54
